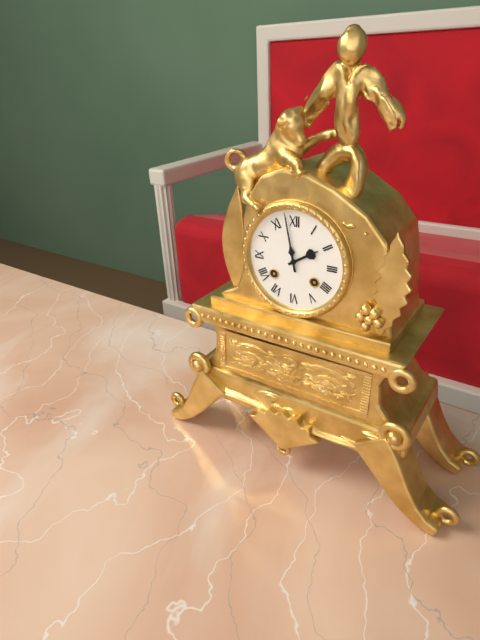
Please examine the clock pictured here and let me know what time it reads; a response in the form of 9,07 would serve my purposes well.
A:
1,58
